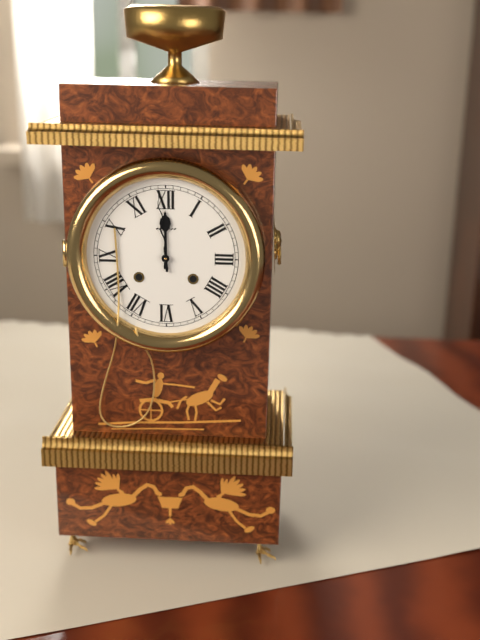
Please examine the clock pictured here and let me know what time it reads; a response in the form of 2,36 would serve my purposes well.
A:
11,59
